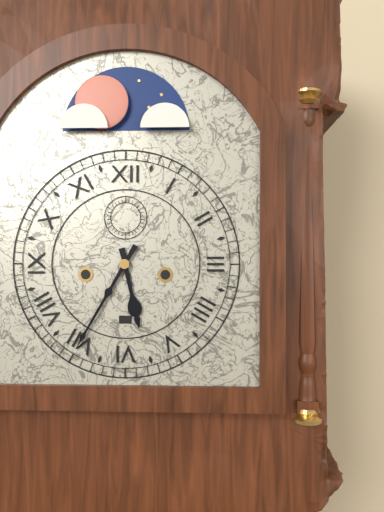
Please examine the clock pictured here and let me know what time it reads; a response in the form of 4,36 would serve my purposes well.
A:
5,35
